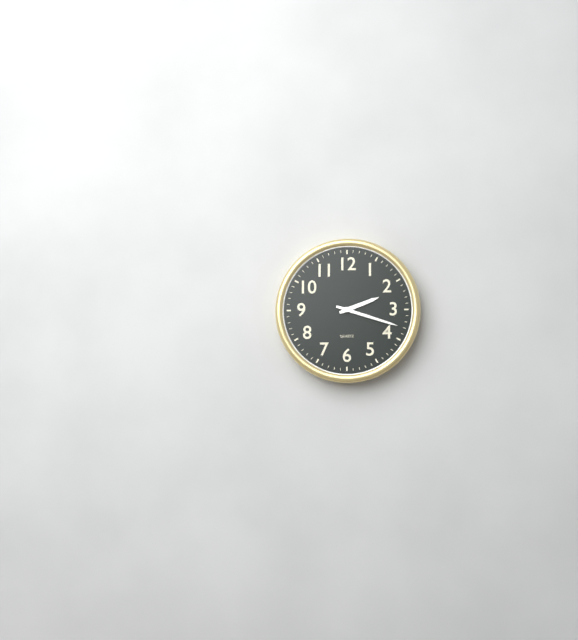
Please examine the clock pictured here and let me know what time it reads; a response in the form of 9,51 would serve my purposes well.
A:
2,18
